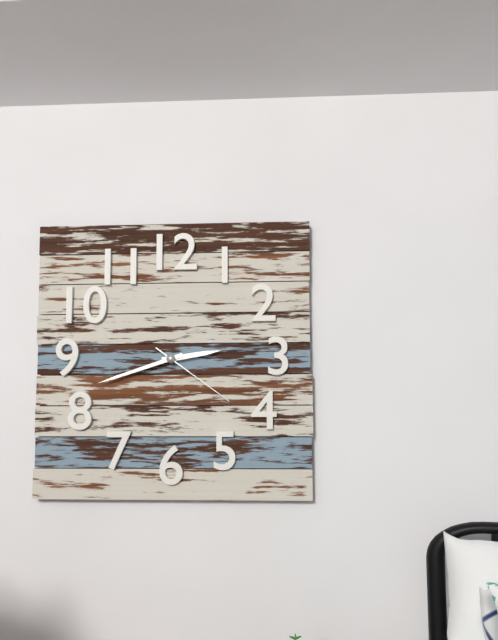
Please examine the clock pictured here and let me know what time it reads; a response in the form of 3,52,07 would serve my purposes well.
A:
2,42,21
